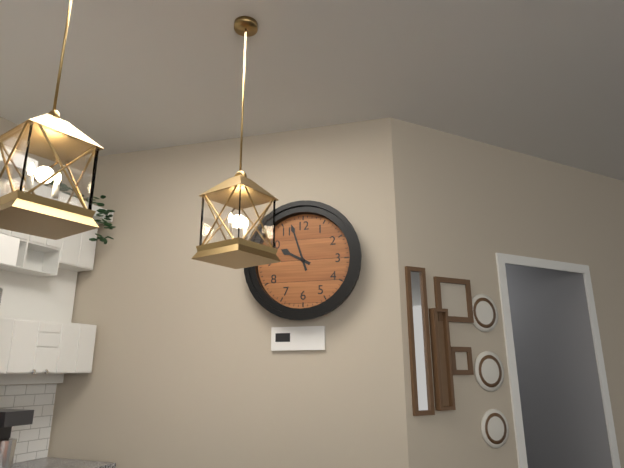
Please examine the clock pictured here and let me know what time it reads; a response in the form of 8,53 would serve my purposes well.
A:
9,57
